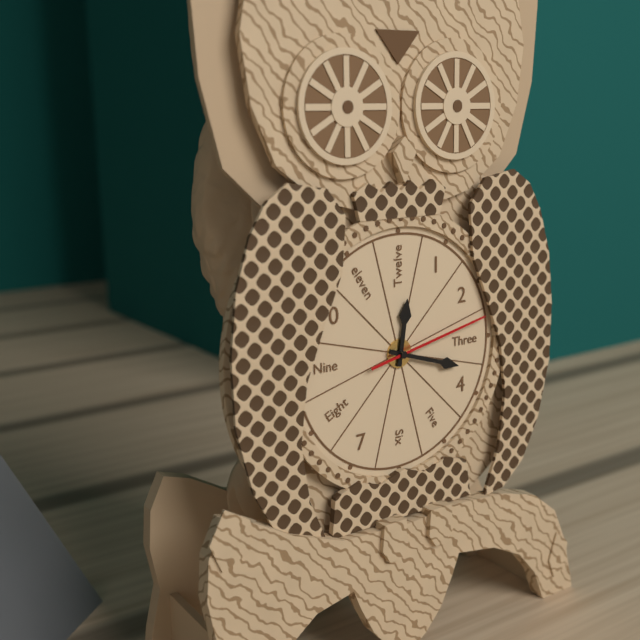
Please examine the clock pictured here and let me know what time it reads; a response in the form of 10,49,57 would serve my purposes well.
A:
12,18,13
